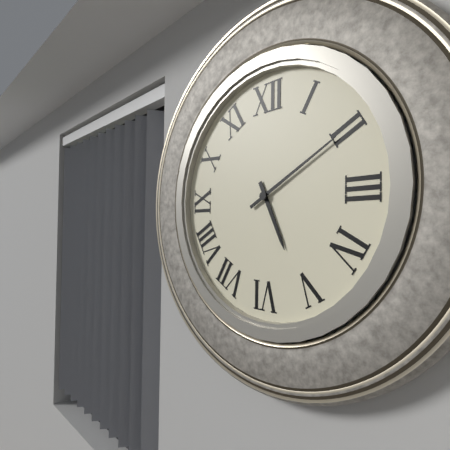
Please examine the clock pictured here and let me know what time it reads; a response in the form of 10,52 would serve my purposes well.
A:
5,10
